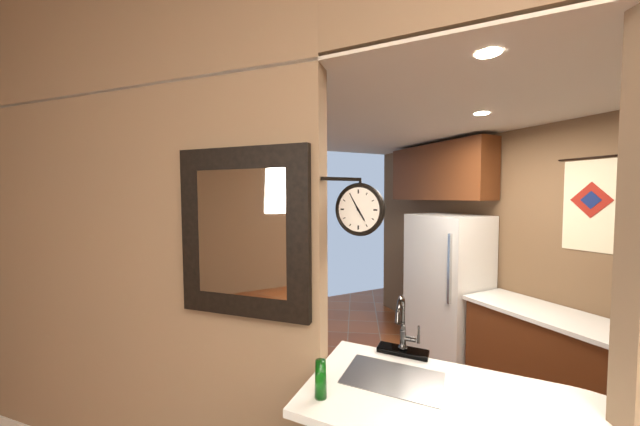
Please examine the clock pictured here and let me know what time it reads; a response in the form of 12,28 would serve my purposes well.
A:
4,55
